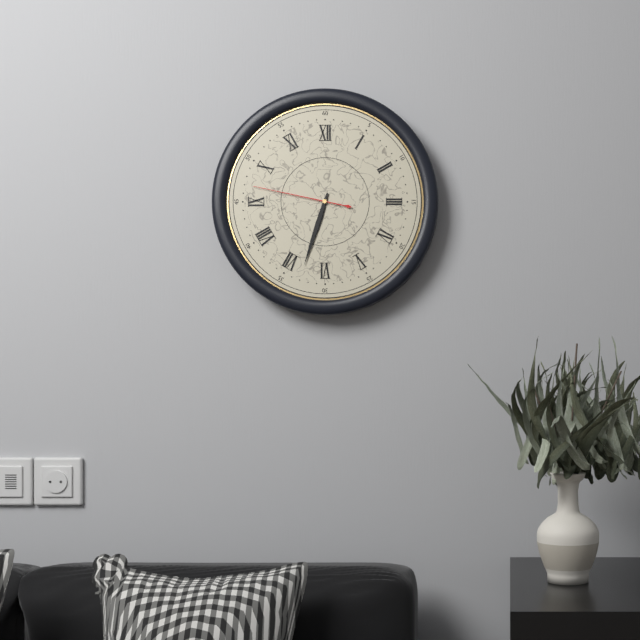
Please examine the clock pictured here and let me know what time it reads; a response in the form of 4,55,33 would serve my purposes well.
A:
6,33,47
